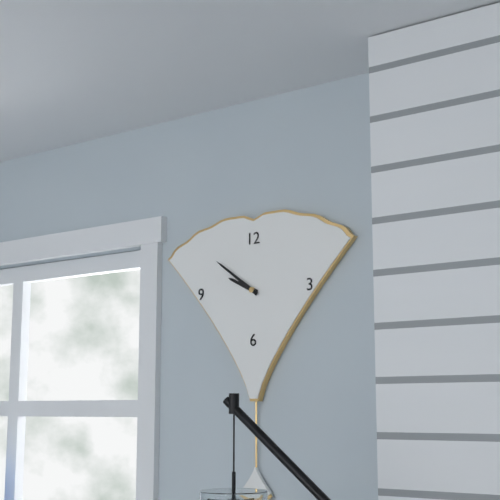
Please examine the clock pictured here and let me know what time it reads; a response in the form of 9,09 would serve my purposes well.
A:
9,51
